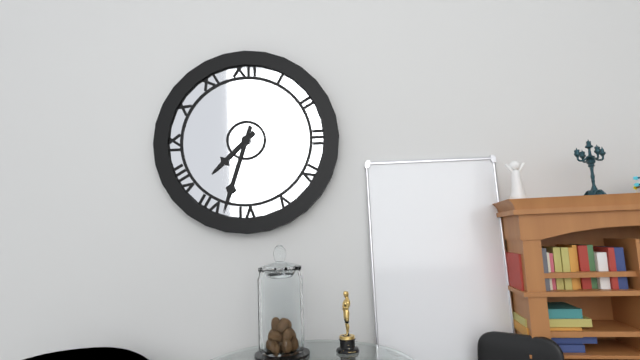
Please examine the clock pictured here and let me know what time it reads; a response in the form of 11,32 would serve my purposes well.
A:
7,33
